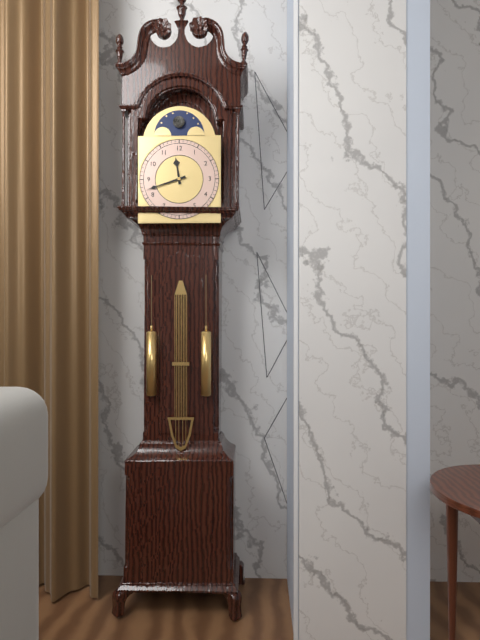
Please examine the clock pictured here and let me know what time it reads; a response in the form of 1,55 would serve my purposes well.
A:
11,42
